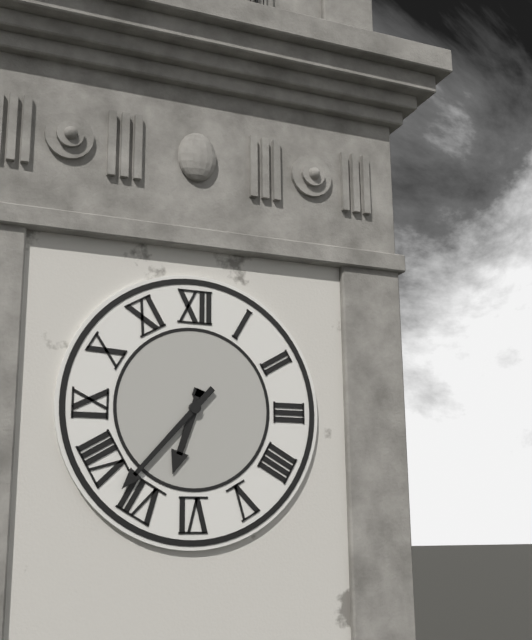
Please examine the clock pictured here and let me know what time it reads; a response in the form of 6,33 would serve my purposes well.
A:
6,37
